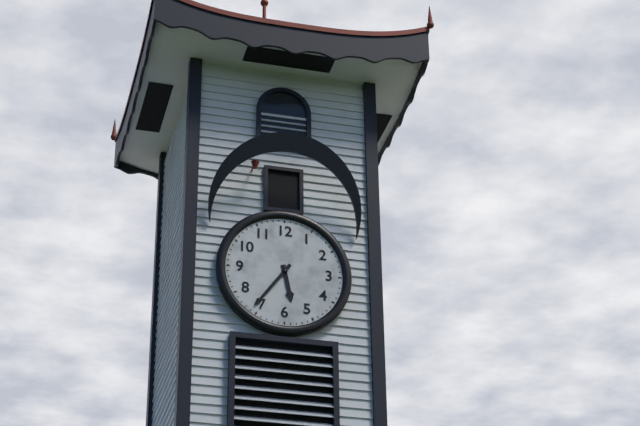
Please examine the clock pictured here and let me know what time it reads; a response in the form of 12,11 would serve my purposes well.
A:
5,36
